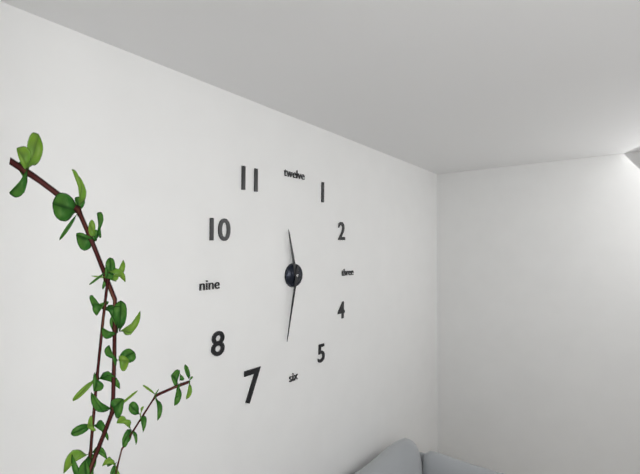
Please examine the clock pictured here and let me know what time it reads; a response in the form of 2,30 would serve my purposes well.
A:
11,32
